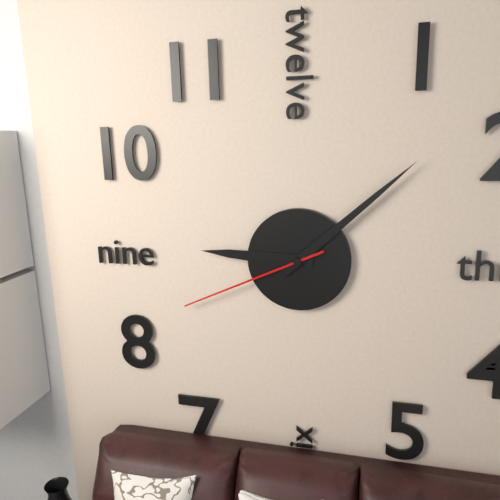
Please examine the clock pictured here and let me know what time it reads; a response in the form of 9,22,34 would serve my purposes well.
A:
9,08,41
